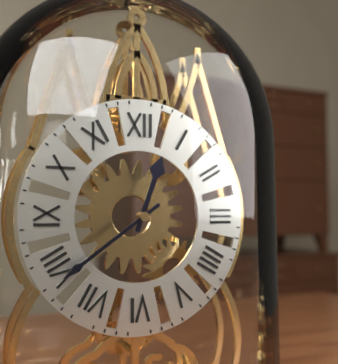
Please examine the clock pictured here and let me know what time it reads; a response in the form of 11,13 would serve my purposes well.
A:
12,39
